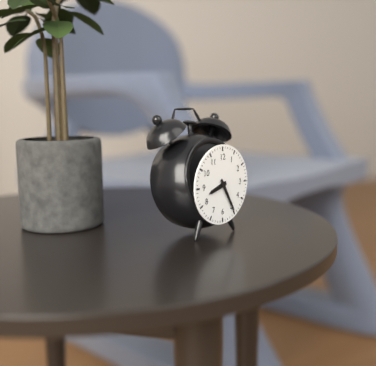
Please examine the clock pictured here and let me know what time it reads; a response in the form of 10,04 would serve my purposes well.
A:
8,25
